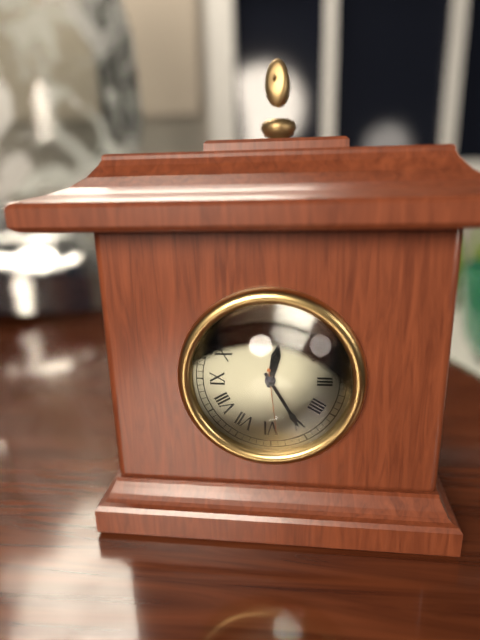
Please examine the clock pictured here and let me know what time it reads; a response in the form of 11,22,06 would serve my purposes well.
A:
12,25,29
